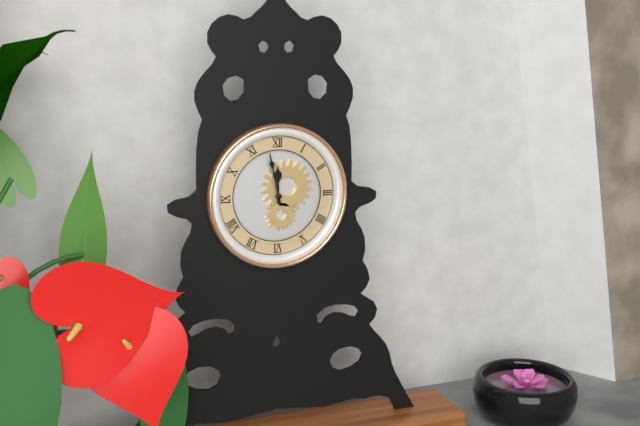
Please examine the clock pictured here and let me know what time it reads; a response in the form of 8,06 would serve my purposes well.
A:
11,58
